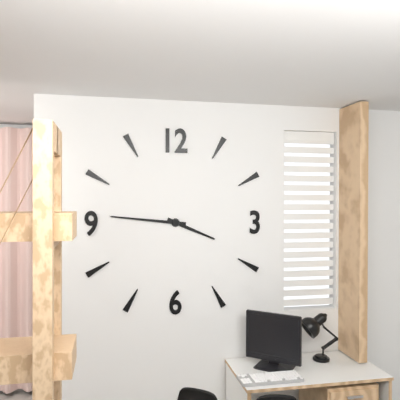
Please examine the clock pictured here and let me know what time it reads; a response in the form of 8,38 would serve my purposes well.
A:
3,46
